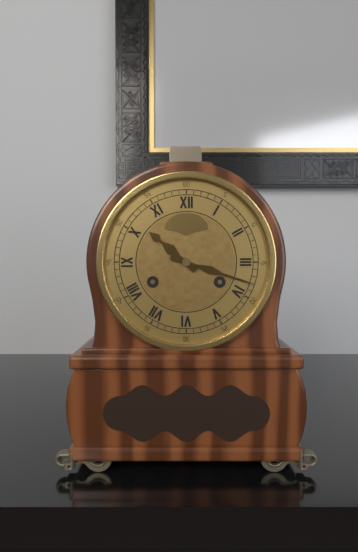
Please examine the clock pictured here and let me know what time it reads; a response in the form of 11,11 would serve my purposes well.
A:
10,18
